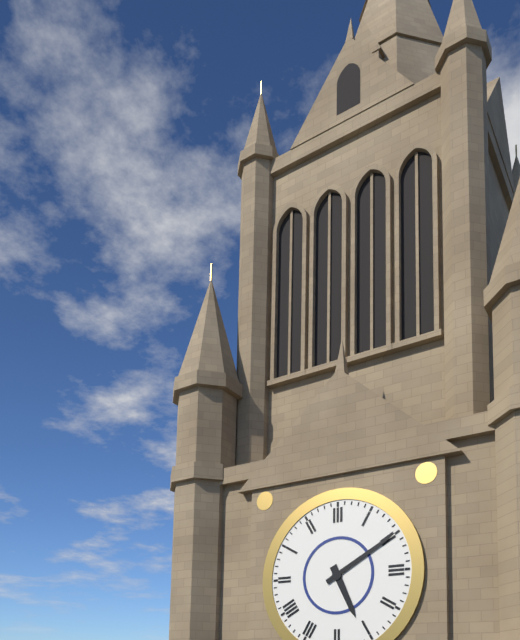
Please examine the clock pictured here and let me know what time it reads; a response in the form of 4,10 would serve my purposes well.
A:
5,10
